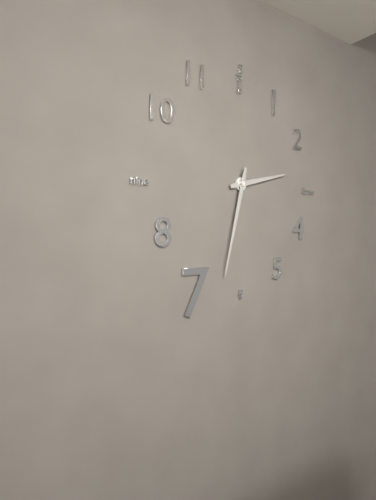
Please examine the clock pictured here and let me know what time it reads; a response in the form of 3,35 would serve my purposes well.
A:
2,32
